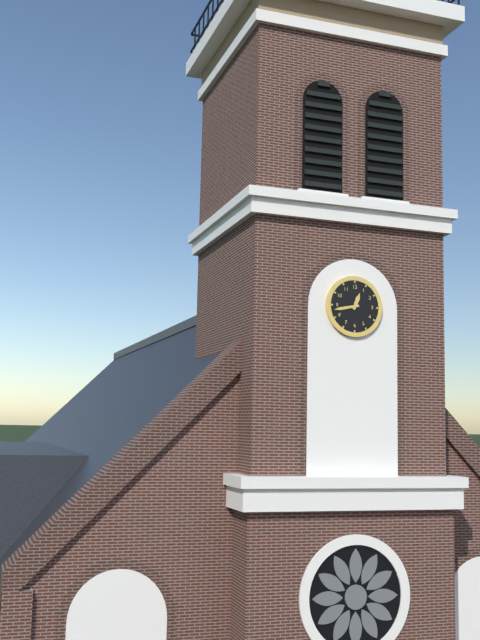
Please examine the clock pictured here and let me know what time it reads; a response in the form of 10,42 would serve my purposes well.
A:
12,43
